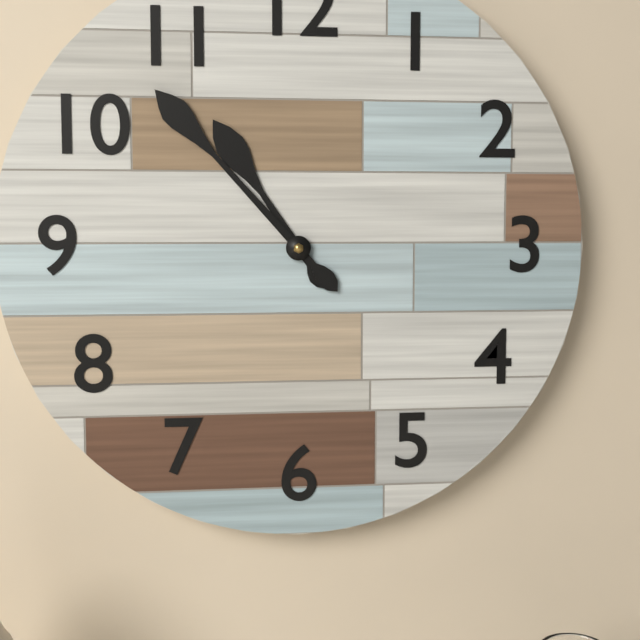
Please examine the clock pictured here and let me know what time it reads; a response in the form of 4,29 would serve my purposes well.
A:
10,53
